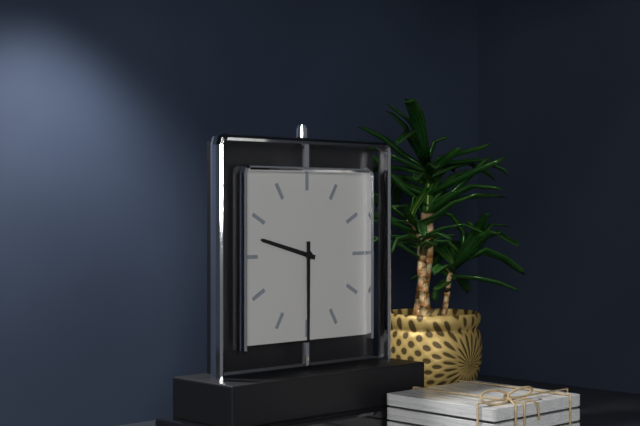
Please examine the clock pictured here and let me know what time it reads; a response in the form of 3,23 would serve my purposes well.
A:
9,30
